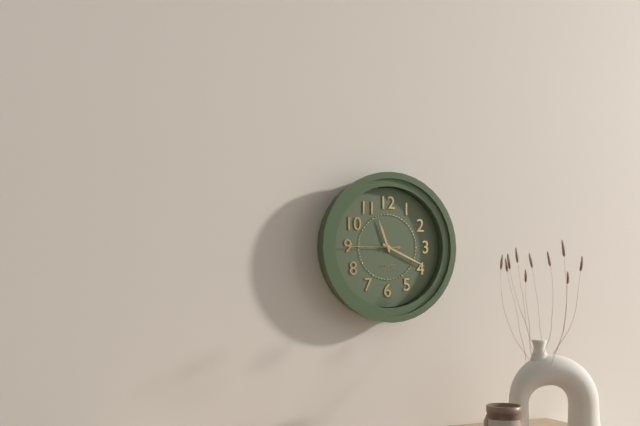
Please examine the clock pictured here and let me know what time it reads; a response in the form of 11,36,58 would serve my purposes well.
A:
11,19,45
